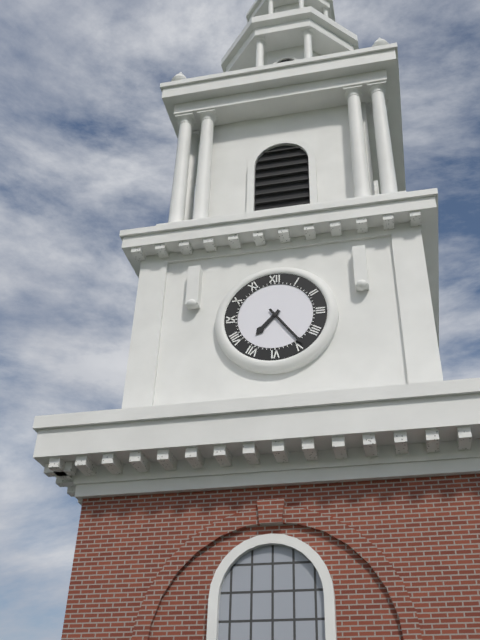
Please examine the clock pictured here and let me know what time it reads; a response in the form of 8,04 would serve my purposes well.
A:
7,24
